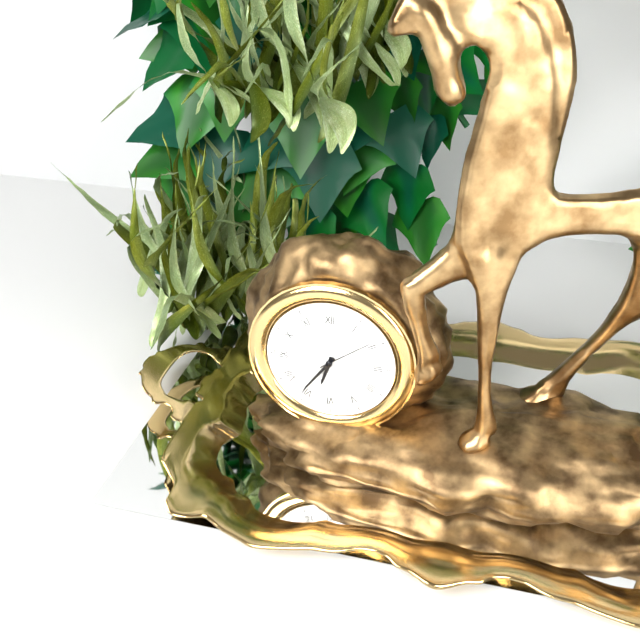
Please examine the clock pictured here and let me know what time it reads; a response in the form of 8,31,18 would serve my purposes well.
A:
6,36,09
